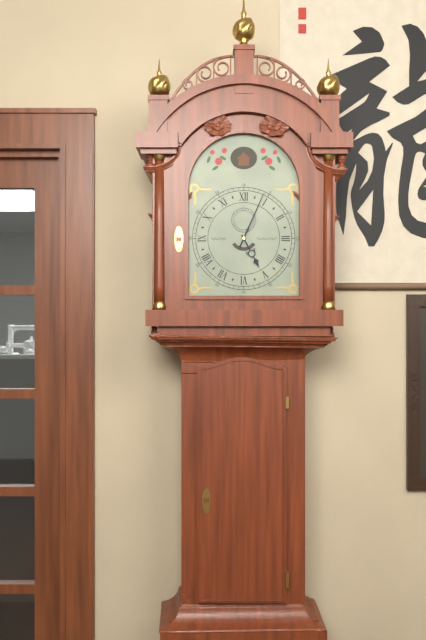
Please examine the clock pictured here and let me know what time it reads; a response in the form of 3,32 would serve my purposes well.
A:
5,04
